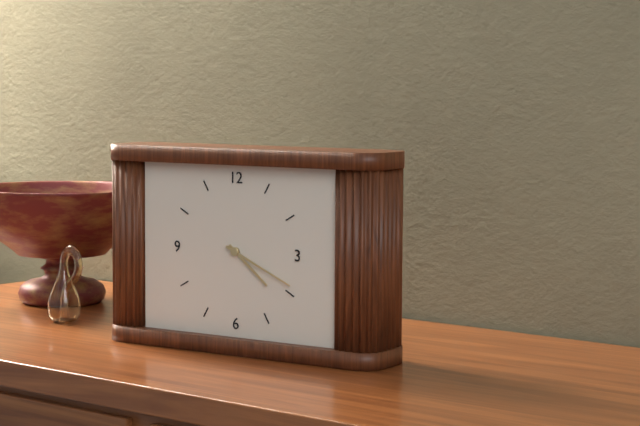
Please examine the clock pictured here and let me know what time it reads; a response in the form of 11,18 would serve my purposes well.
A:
4,19
